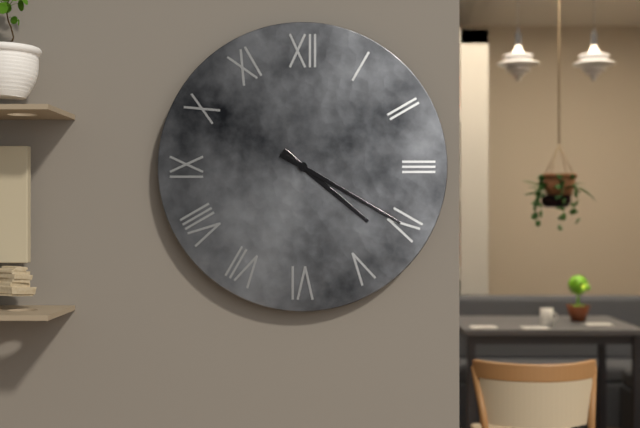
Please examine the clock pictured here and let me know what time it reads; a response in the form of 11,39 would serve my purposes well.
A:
4,20
